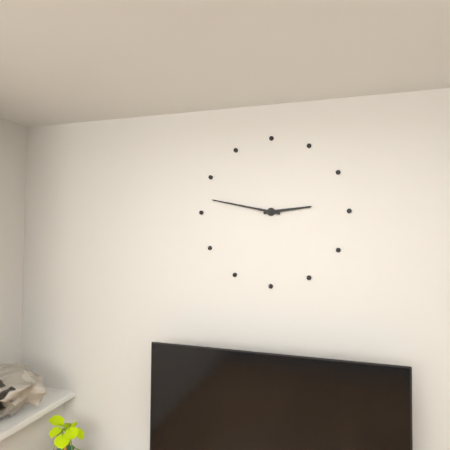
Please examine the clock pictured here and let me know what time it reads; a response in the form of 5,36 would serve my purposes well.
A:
2,47
